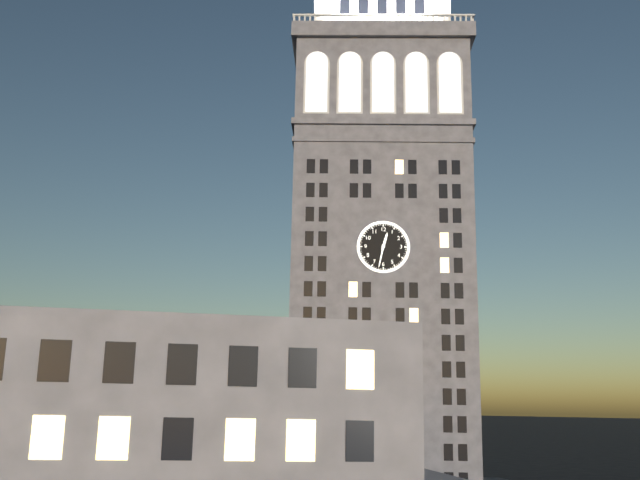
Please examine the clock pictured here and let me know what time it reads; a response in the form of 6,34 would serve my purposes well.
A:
12,32
